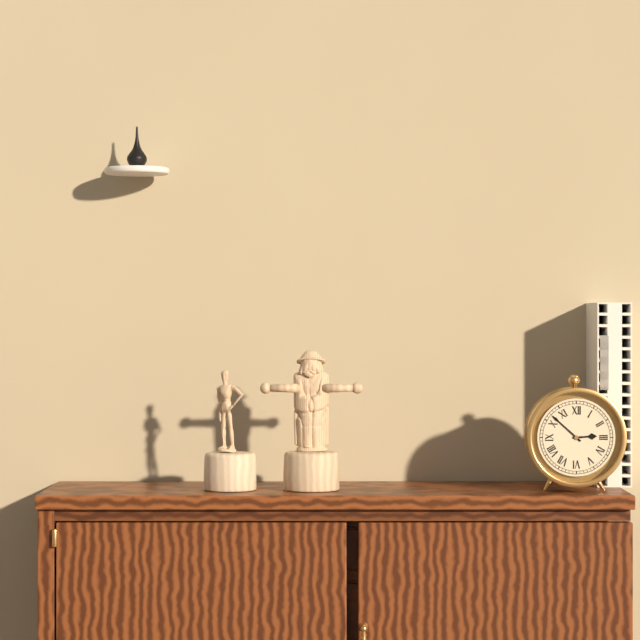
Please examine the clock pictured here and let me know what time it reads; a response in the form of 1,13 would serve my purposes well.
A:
2,52
